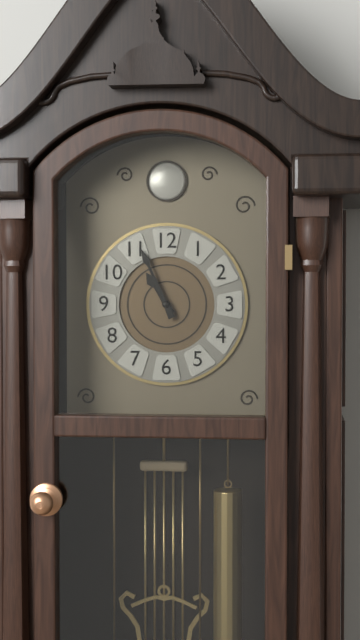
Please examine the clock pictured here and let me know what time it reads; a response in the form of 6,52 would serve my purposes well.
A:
10,56
